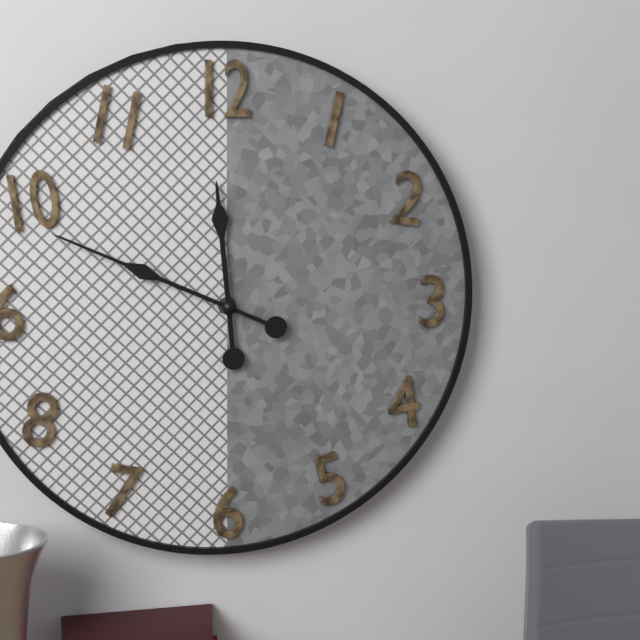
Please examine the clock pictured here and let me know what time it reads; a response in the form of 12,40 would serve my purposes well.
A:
11,49
